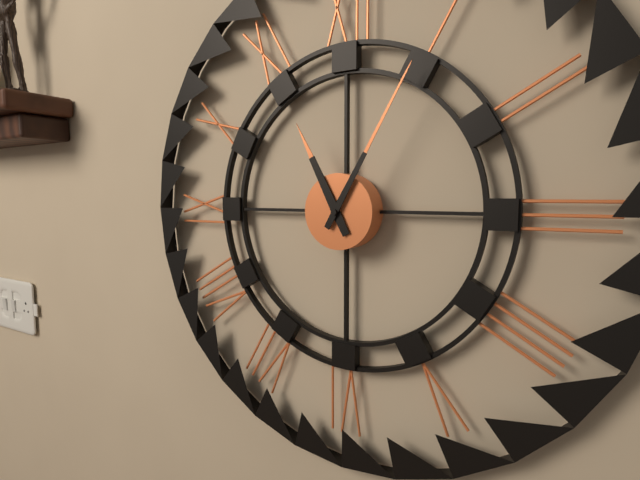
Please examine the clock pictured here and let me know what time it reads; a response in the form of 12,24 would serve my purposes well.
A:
11,05
